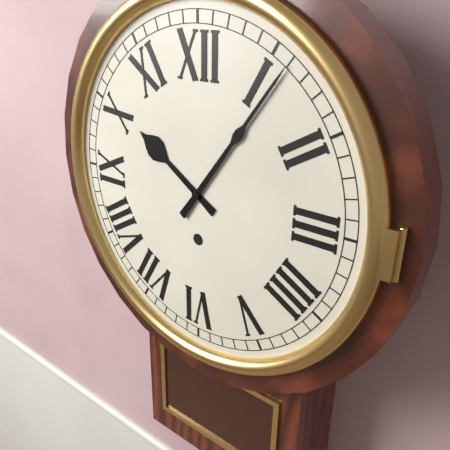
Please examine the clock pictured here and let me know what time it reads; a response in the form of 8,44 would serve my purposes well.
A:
10,06
